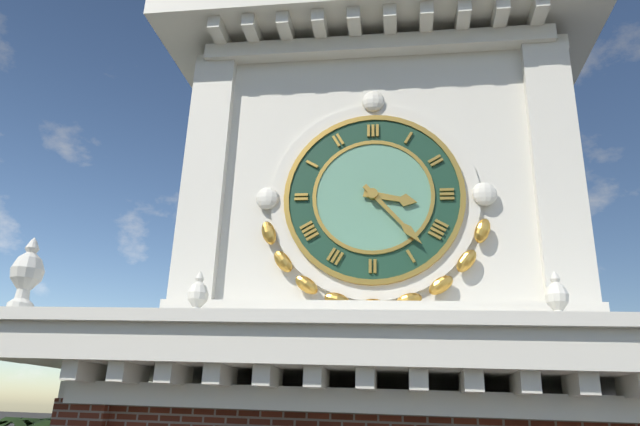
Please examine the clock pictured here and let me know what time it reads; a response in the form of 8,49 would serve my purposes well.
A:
3,23
